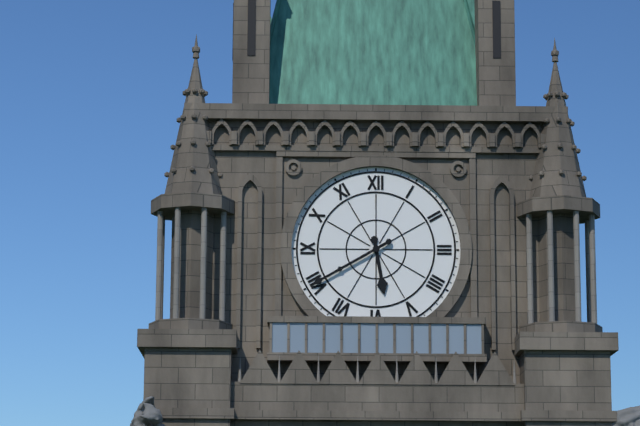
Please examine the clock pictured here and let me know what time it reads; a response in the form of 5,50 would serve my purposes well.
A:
5,40
